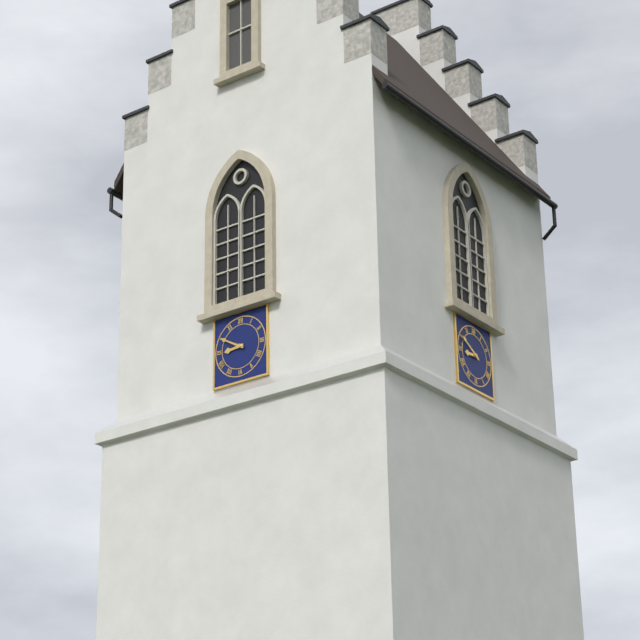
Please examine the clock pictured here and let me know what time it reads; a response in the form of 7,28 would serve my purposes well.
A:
8,50
